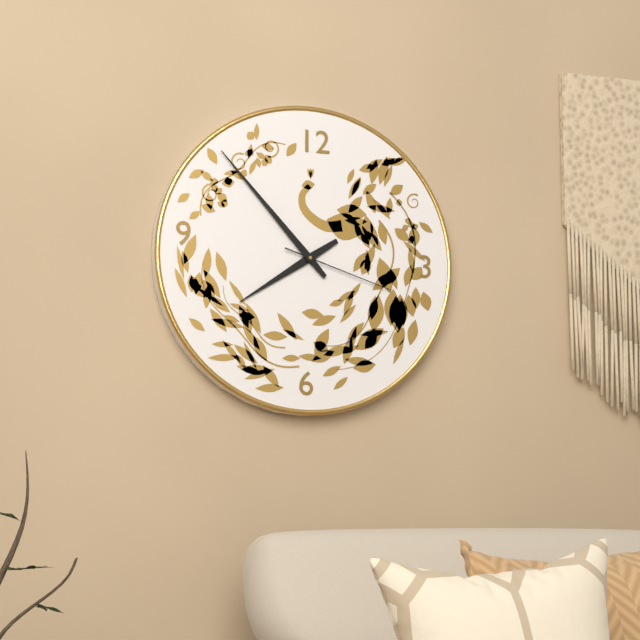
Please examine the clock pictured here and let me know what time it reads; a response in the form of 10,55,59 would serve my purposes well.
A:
7,53,18
